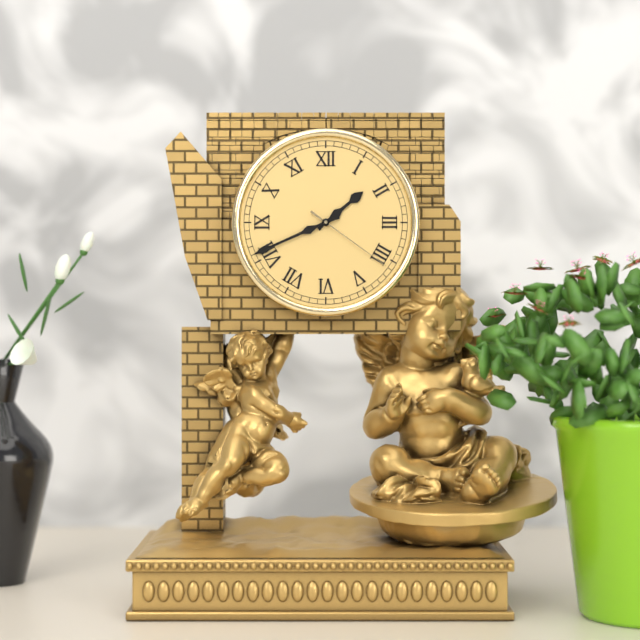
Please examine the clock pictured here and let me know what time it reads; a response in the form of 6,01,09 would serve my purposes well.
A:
1,41,21
